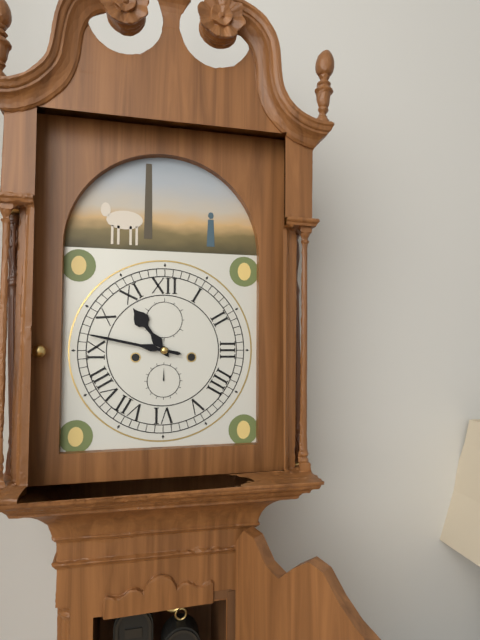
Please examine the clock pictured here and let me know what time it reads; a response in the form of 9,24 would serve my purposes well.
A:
10,47
